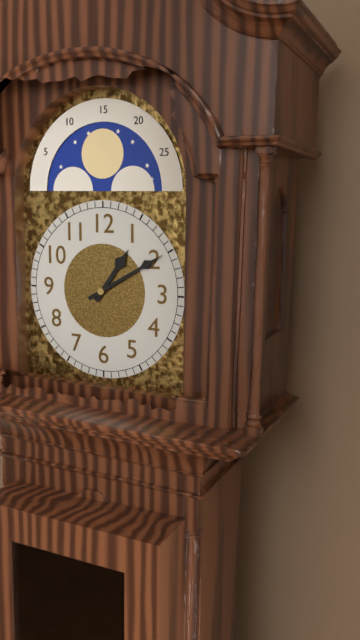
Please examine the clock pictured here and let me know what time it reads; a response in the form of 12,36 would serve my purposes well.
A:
1,10
